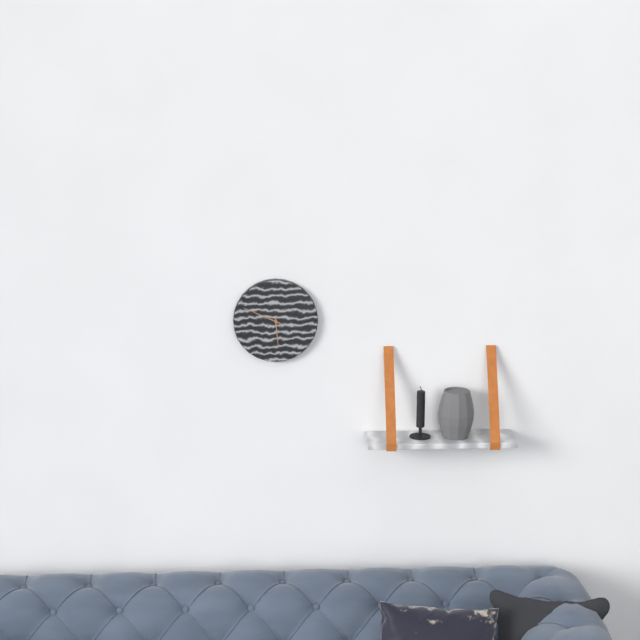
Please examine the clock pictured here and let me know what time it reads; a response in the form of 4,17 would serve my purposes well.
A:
5,49
